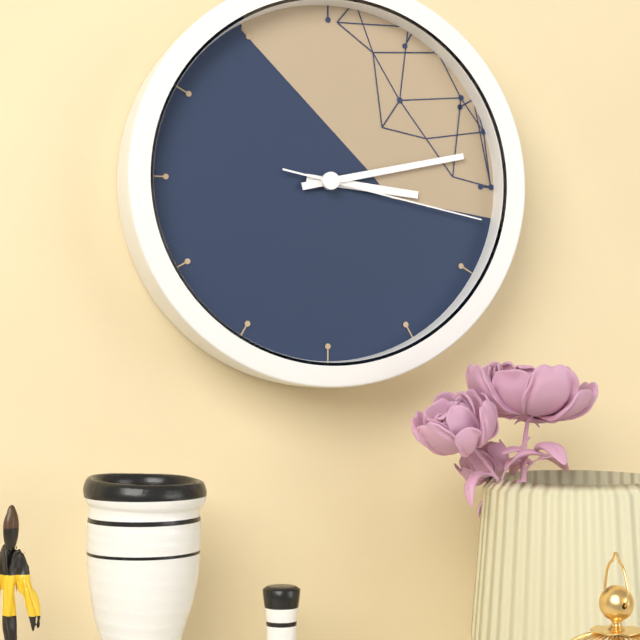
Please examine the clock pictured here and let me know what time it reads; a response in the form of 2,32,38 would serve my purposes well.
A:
3,13,17
